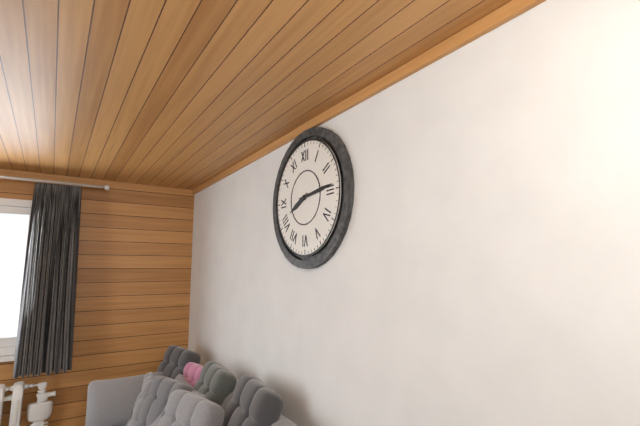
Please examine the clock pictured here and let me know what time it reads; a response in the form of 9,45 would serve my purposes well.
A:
8,14
